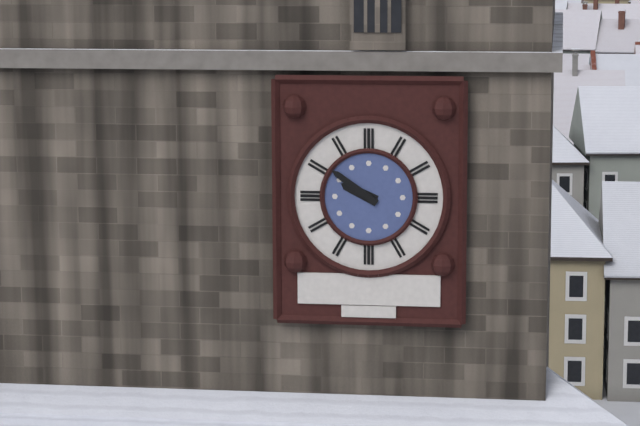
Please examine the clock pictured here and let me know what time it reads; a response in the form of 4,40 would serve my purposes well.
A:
9,51
